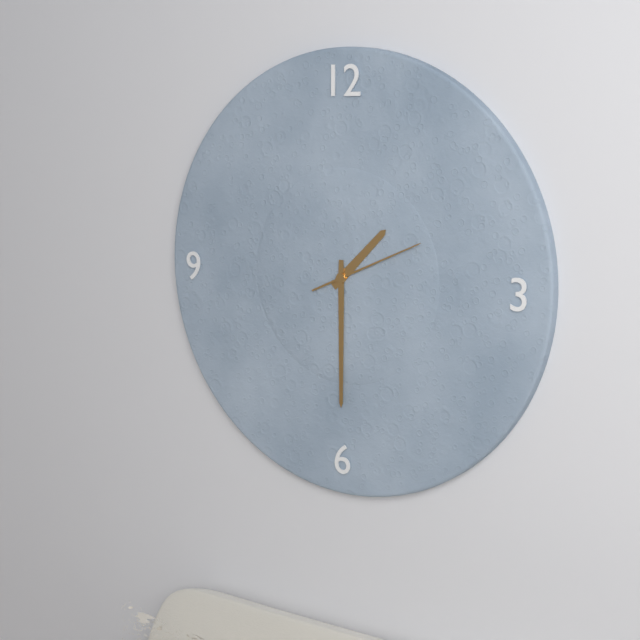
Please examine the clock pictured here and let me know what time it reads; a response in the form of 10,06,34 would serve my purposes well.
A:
1,30,11
